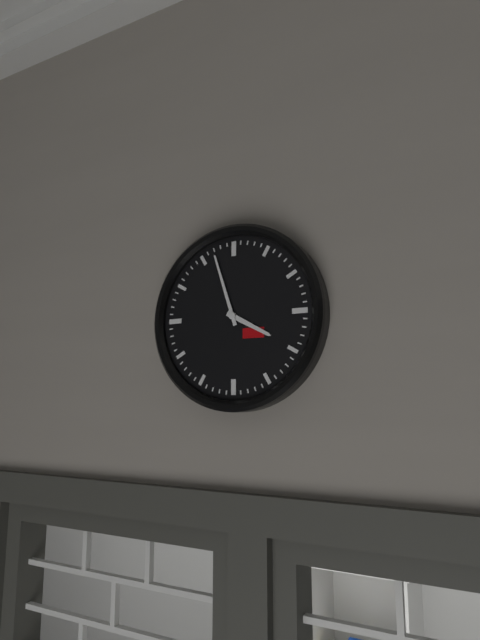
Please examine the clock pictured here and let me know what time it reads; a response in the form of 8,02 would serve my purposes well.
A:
3,57
